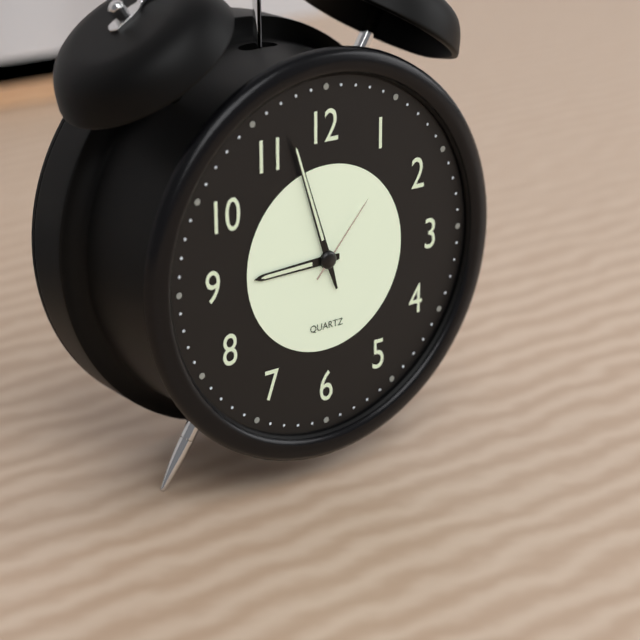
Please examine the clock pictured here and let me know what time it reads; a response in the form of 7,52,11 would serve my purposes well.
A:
8,57,07
